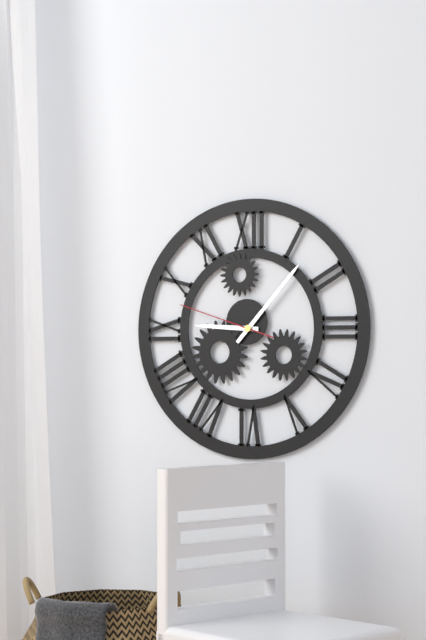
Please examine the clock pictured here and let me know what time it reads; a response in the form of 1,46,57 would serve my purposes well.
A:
9,07,48
